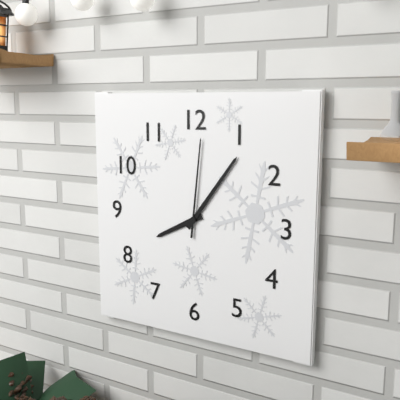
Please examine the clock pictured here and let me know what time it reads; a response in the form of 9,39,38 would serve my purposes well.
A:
8,06,01
